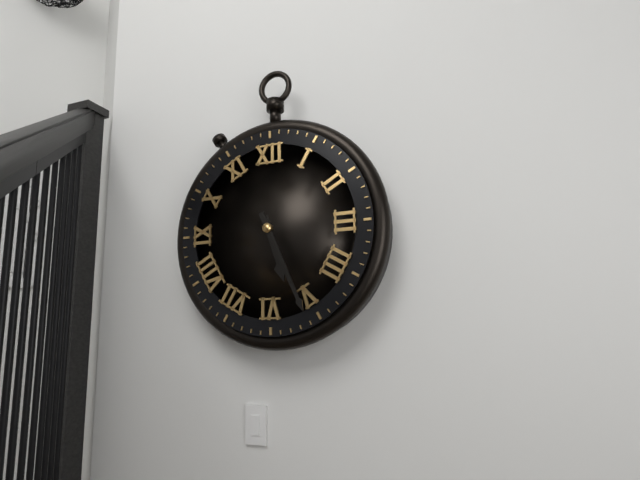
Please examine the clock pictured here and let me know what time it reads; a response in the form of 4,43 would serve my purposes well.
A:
5,26
